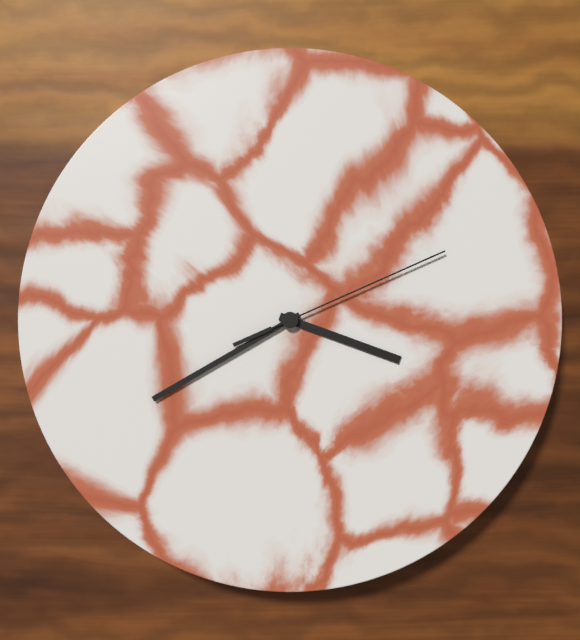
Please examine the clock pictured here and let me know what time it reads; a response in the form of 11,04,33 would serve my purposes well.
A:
3,40,11
